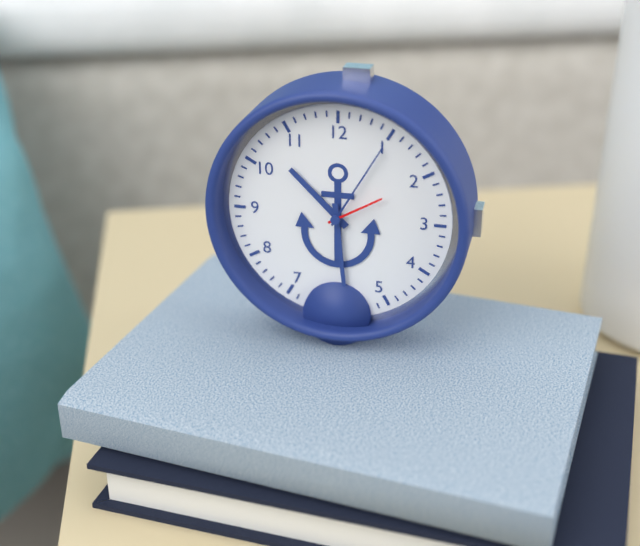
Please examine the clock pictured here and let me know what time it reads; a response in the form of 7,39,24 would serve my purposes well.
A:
10,29,10
